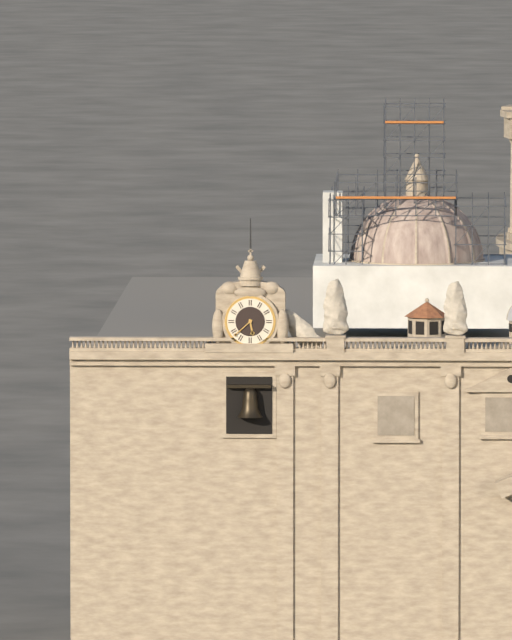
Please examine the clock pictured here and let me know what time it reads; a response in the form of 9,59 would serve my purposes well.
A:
5,38
